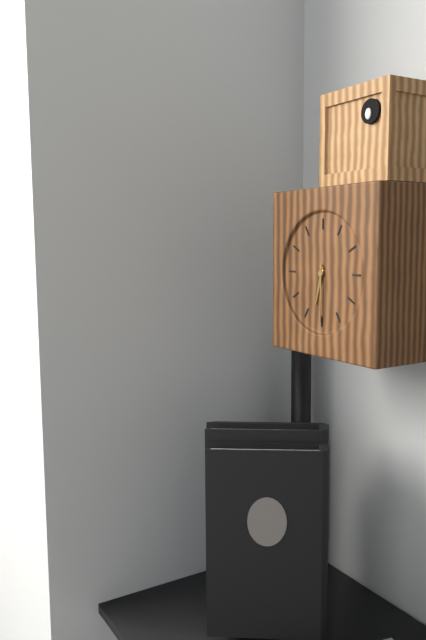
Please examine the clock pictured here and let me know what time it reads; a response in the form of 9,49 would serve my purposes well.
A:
6,30
